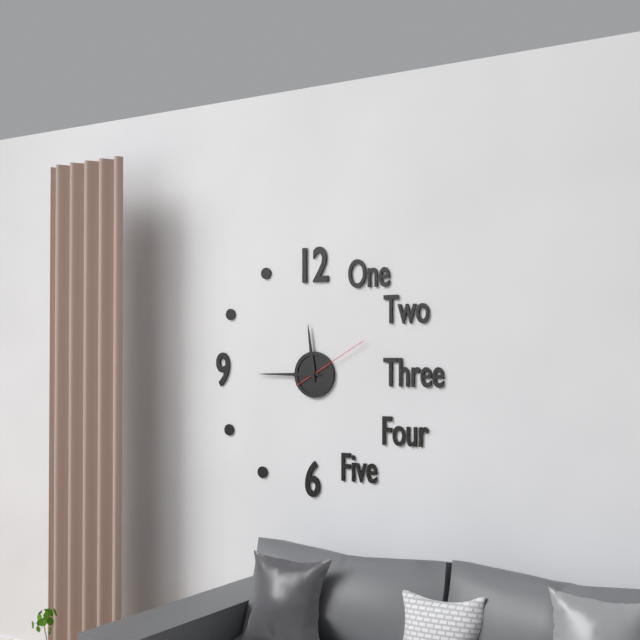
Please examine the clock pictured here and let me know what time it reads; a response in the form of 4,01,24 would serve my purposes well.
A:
11,45,10
